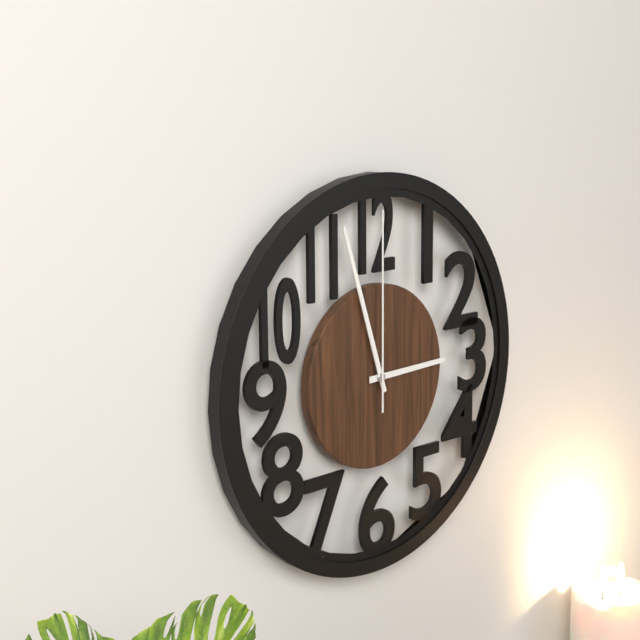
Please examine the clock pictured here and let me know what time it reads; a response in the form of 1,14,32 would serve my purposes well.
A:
2,57,00
